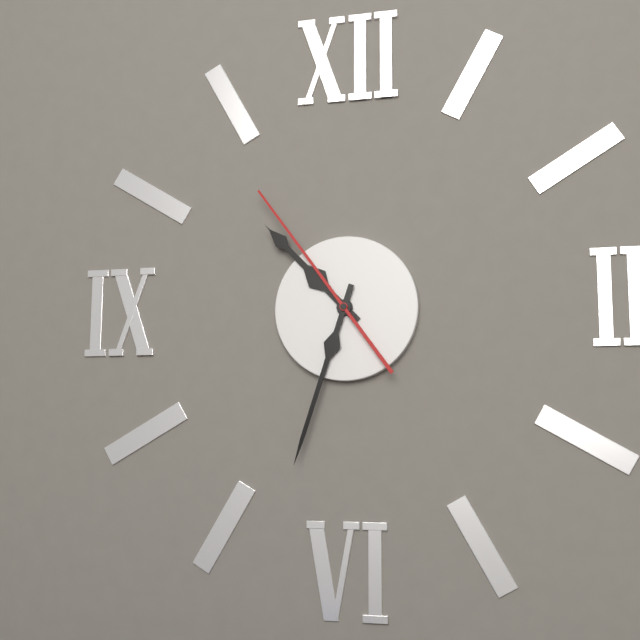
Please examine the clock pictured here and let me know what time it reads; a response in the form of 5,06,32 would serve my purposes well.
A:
10,33,54
